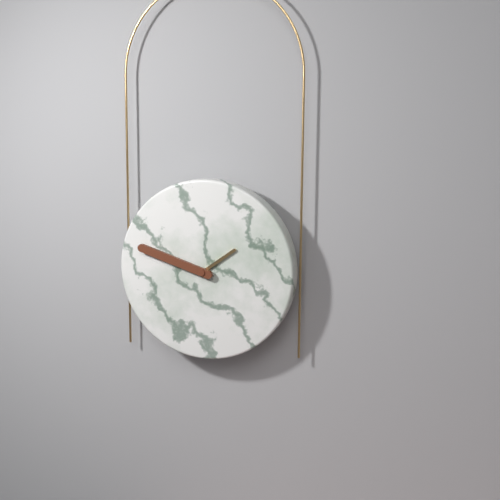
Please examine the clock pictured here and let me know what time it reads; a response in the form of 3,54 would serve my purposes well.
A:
1,48
